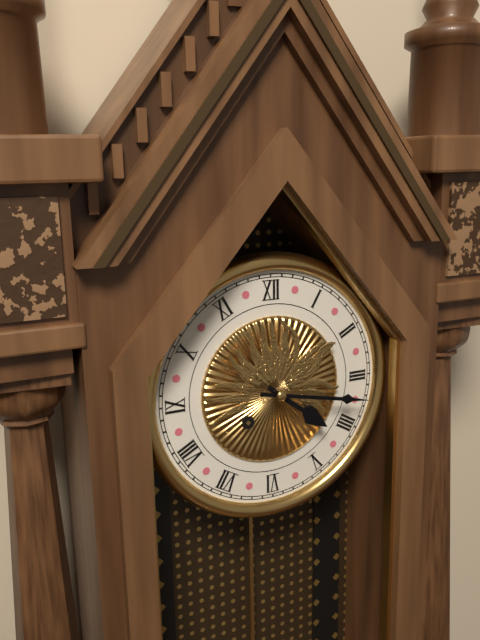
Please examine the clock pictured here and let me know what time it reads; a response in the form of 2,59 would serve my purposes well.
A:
4,17
